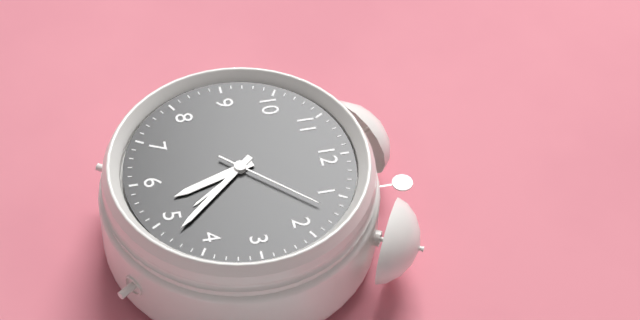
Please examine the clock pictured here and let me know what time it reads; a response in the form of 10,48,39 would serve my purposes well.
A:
5,23,07
